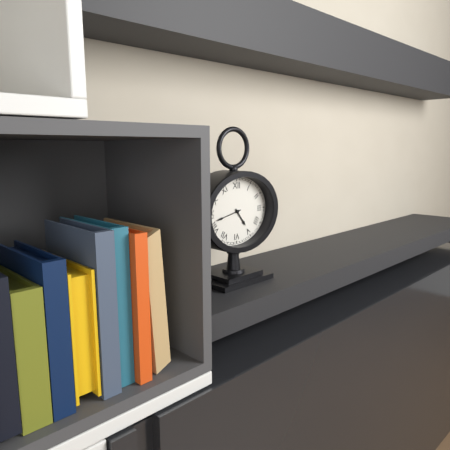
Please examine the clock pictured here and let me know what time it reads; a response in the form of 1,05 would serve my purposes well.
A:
4,43
